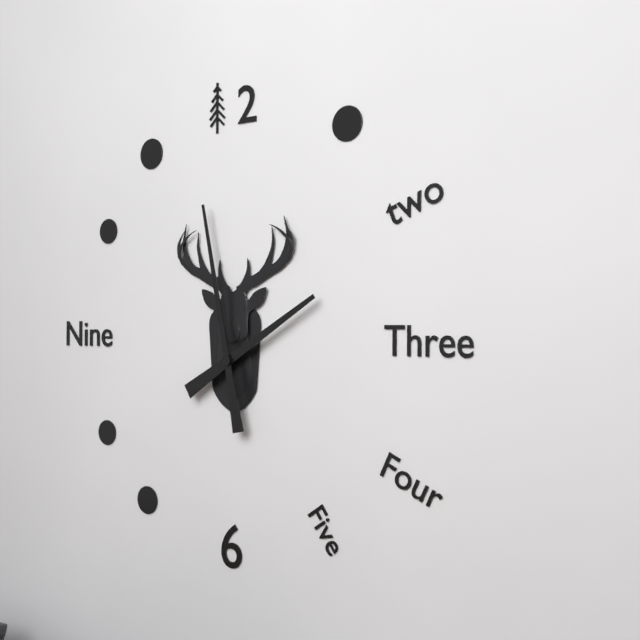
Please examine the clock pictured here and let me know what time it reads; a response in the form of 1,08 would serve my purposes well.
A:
1,58
